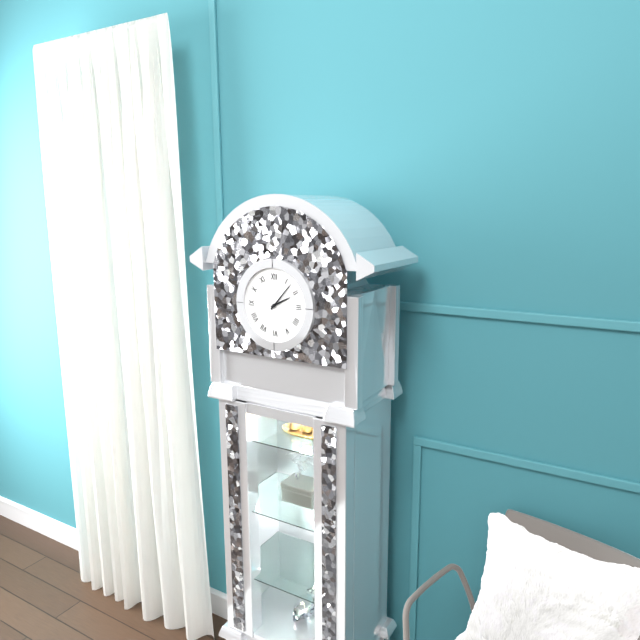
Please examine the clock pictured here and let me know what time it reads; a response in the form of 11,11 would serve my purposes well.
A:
2,07
